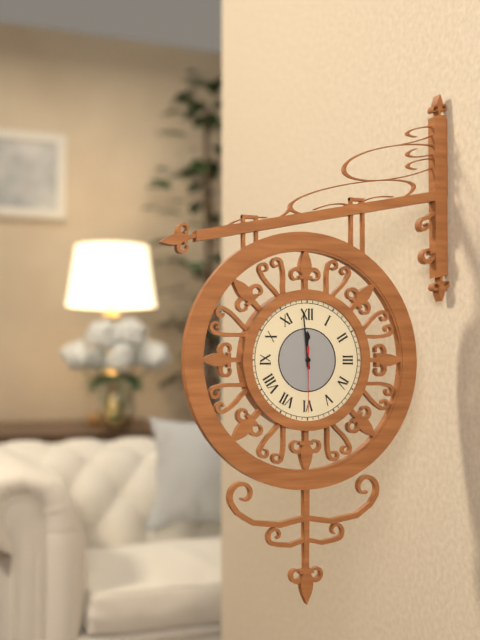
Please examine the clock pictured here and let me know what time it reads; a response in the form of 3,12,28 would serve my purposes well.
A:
11,59,30
